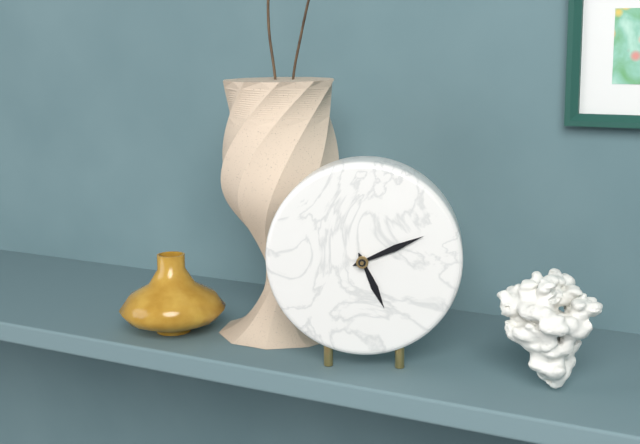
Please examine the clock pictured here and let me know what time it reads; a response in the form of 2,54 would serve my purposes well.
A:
5,11
